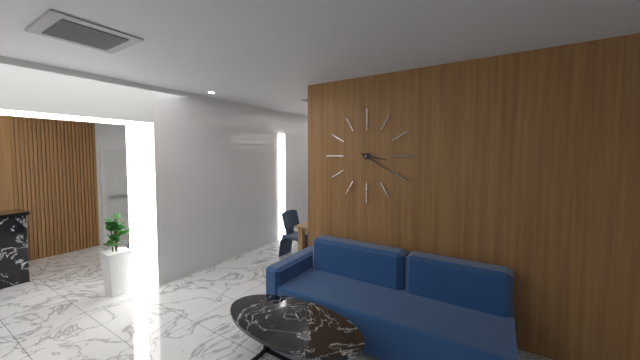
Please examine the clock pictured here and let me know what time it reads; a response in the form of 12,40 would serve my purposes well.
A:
3,20
